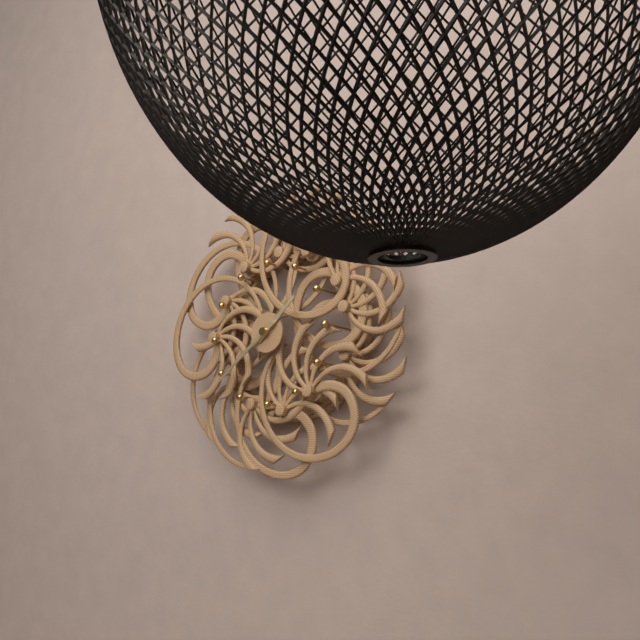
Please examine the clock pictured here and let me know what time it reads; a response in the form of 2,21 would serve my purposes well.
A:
1,39
